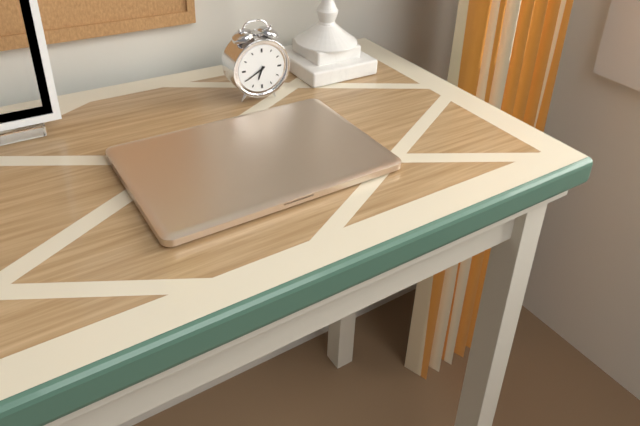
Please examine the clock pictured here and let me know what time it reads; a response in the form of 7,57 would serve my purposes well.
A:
6,40
